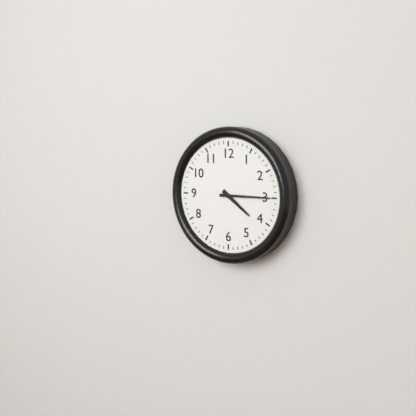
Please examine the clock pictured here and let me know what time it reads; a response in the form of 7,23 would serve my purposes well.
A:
4,15
